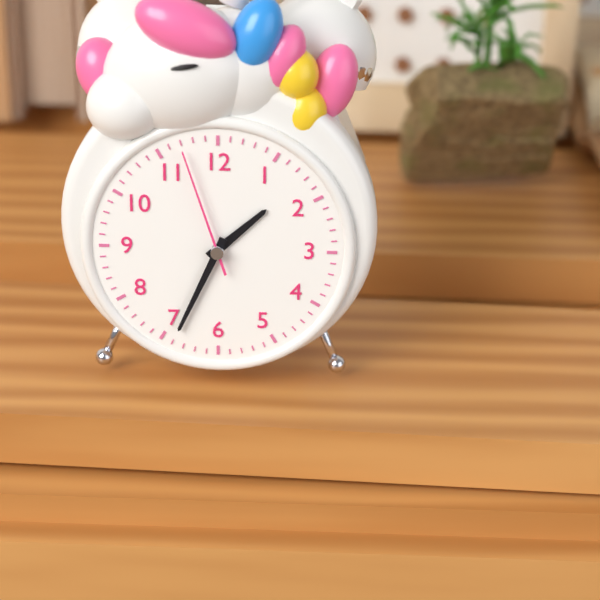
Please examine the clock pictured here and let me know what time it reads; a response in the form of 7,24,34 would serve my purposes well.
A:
1,34,57
